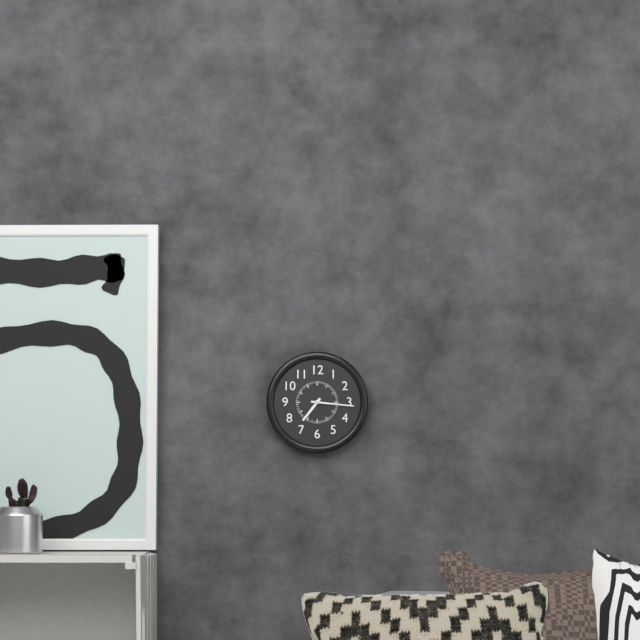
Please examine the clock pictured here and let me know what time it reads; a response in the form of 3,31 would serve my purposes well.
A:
7,16
